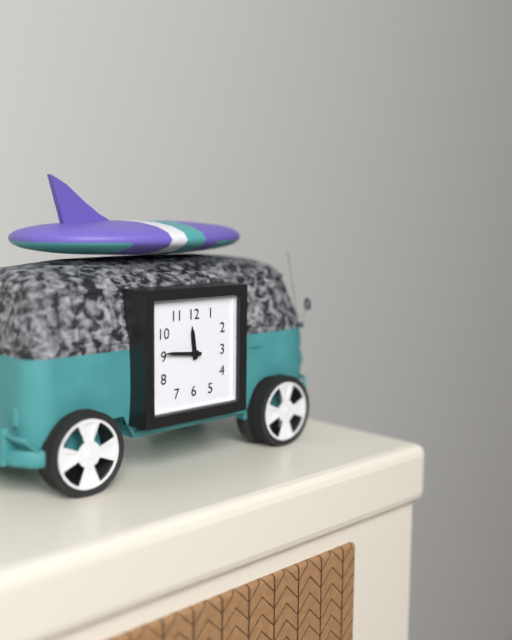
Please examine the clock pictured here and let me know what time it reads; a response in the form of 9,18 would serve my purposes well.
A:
11,46
